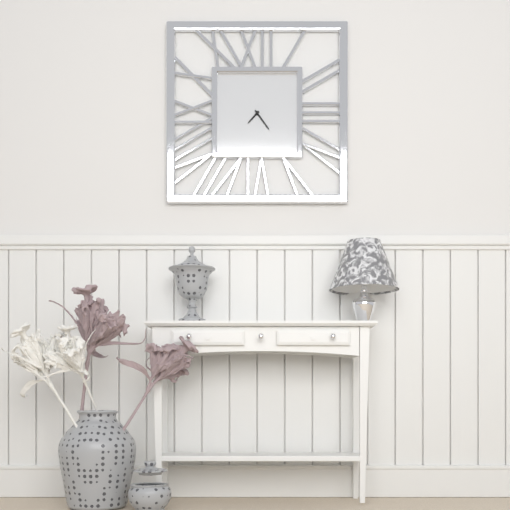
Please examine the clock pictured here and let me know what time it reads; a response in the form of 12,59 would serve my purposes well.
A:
7,24
